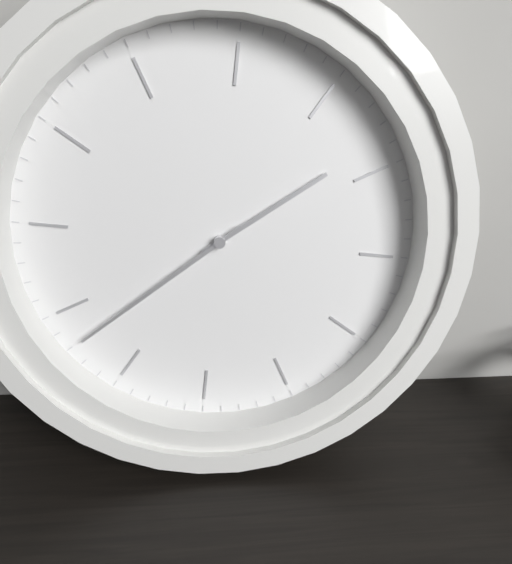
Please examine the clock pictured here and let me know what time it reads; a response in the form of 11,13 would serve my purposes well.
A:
2,43
